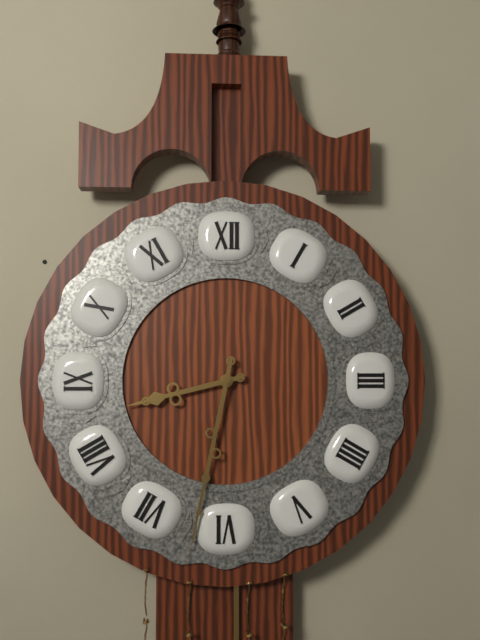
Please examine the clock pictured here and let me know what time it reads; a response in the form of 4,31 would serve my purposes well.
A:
8,32
